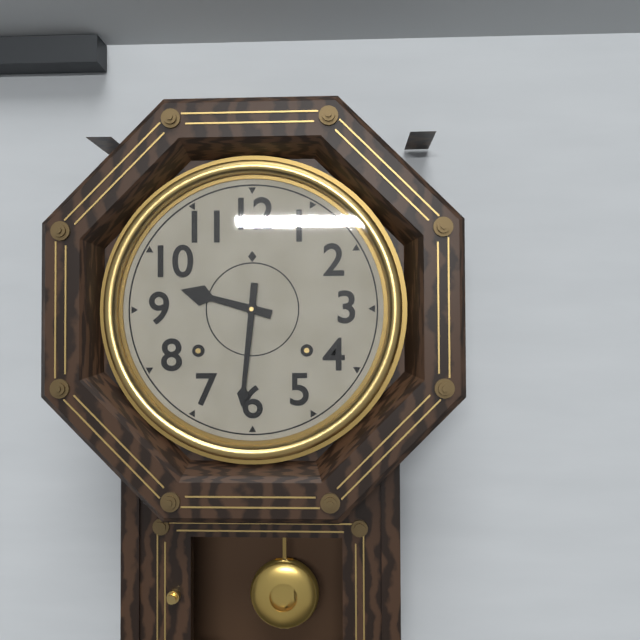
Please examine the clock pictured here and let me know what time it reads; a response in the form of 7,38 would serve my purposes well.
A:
9,31
